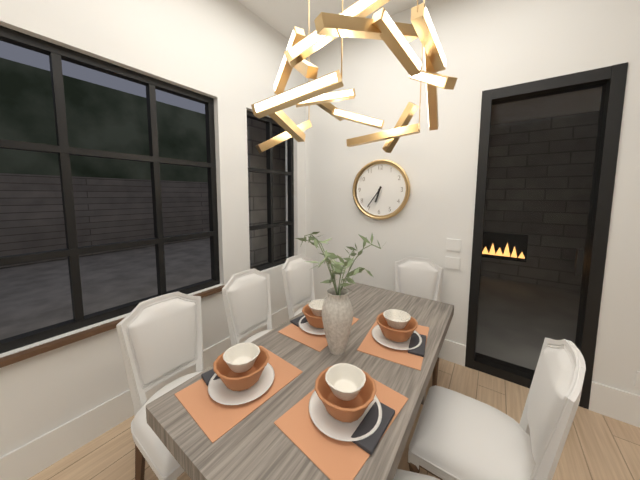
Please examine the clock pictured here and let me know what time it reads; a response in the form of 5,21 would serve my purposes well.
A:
6,36
